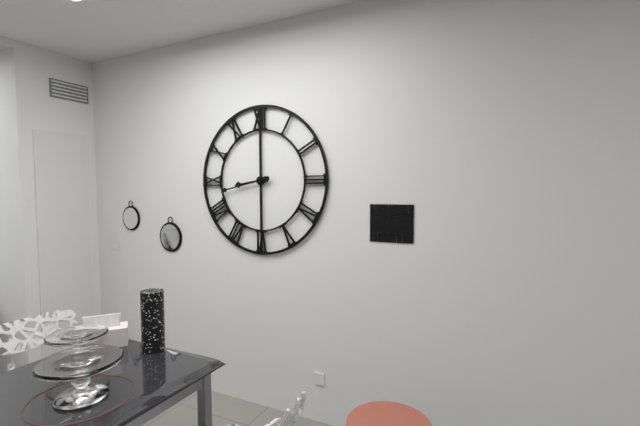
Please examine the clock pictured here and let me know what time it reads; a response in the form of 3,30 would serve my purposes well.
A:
8,43
